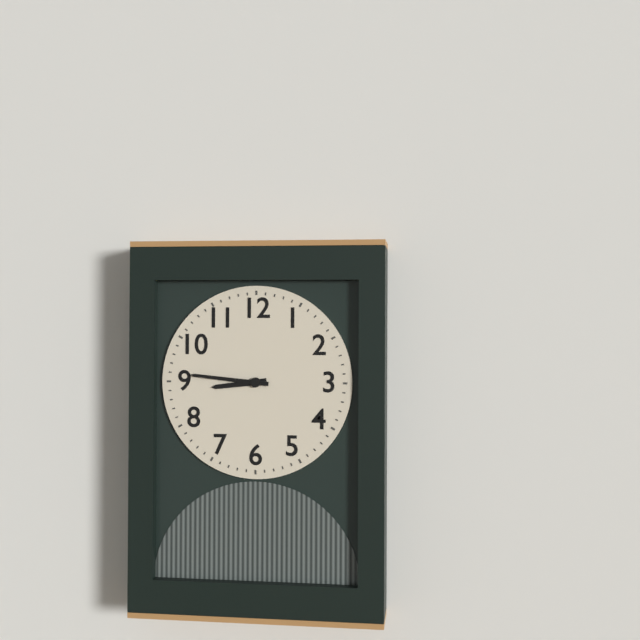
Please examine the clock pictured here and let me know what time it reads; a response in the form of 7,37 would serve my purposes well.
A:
8,46
